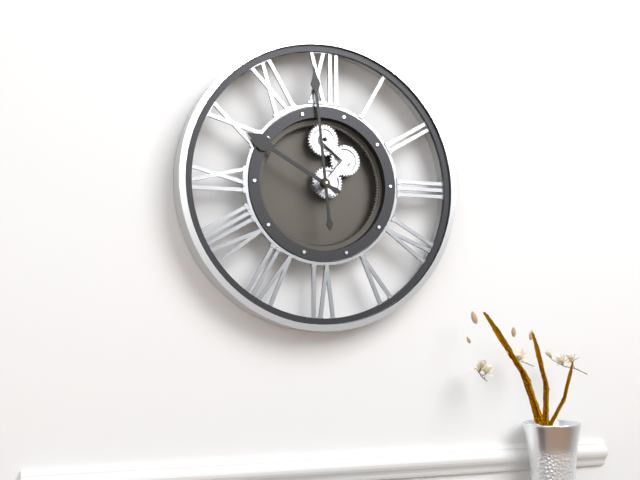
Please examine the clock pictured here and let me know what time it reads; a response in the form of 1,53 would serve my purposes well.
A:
9,59
